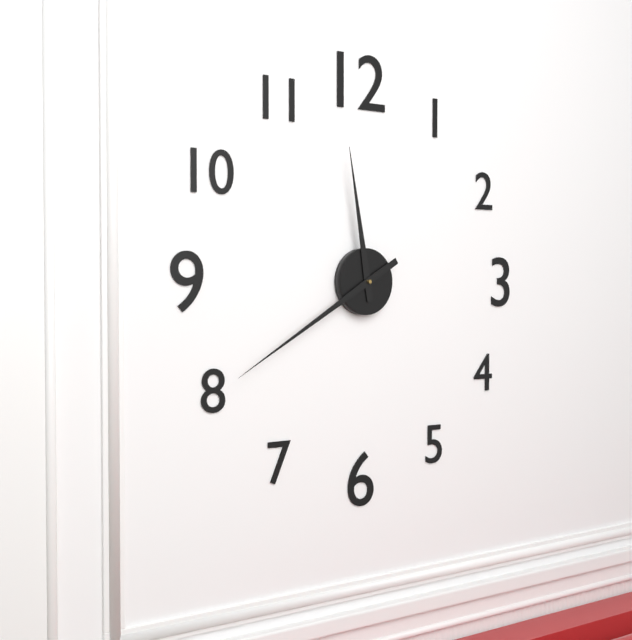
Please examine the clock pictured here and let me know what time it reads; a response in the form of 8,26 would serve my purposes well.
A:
11,40
